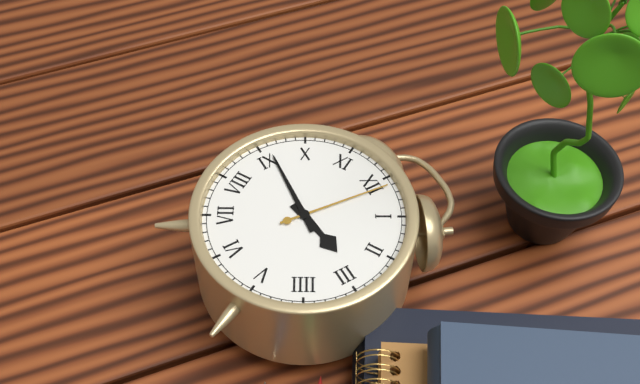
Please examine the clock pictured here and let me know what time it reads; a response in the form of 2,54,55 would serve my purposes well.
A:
2,46,01
